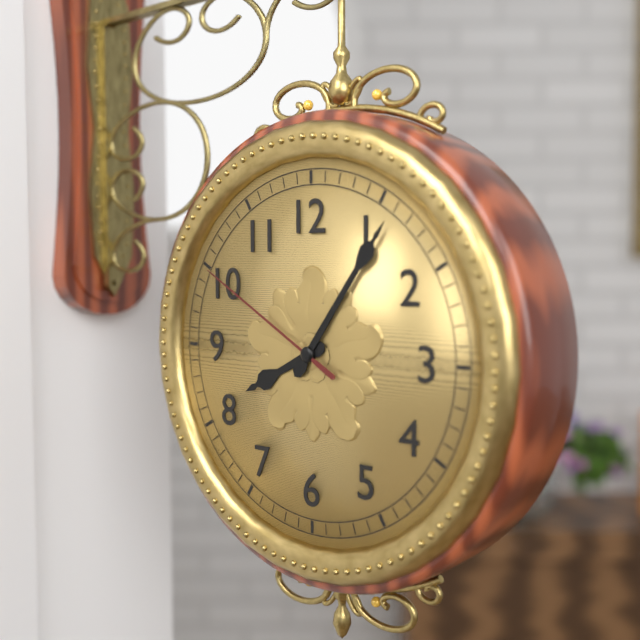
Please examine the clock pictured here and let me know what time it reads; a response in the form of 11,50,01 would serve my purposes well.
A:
8,06,50
